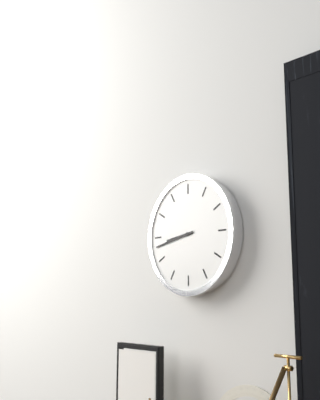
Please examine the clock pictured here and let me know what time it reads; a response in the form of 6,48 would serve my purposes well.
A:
8,43
